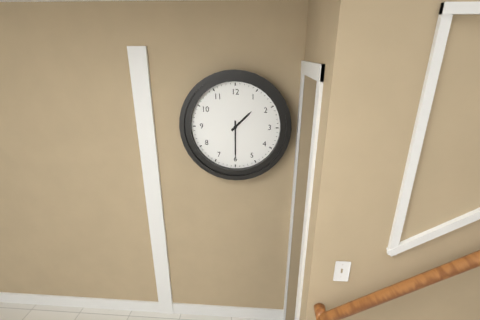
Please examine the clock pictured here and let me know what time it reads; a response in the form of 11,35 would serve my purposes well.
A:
1,30
